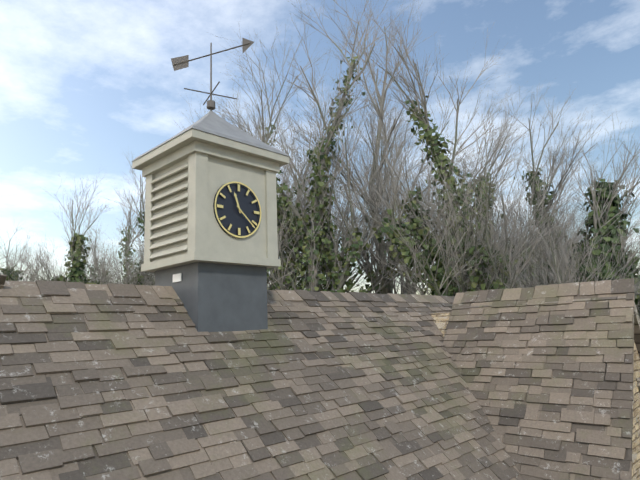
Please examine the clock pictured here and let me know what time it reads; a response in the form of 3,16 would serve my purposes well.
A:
11,22
